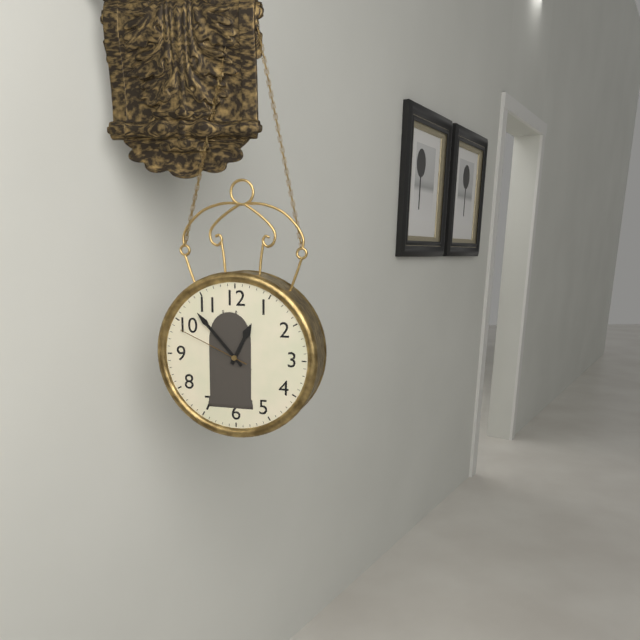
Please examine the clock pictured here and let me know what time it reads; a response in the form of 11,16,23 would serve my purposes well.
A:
12,53,49
